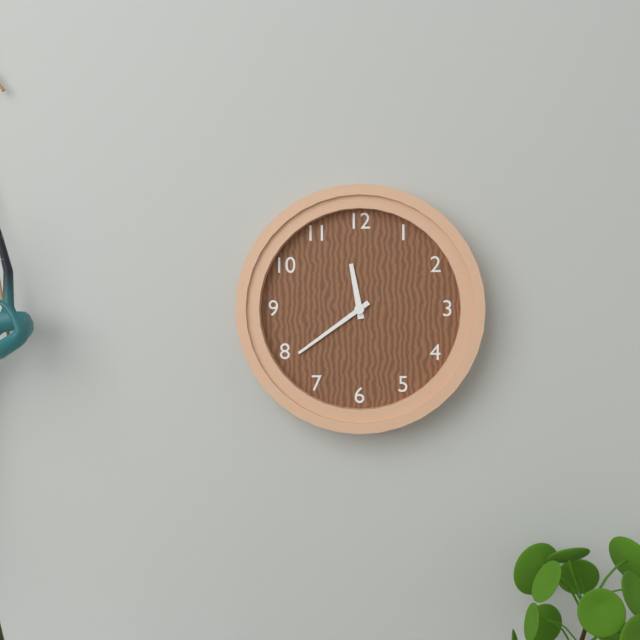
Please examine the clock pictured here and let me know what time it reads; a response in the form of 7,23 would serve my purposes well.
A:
11,39
